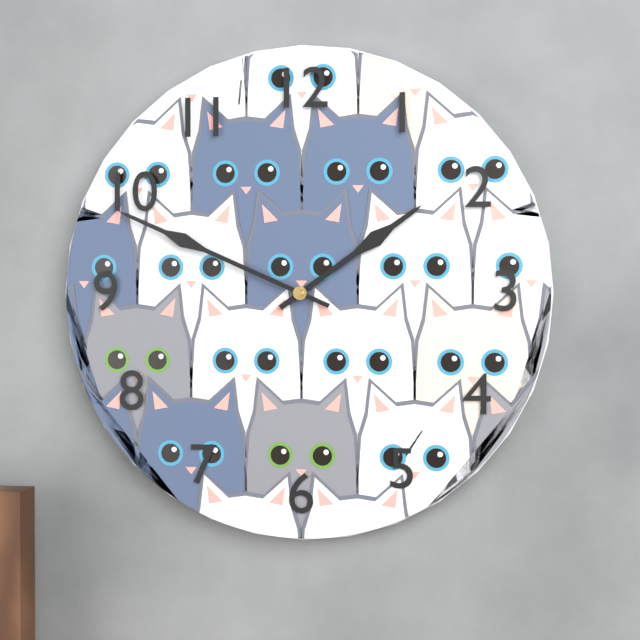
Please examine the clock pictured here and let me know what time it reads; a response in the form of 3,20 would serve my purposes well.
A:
1,49
